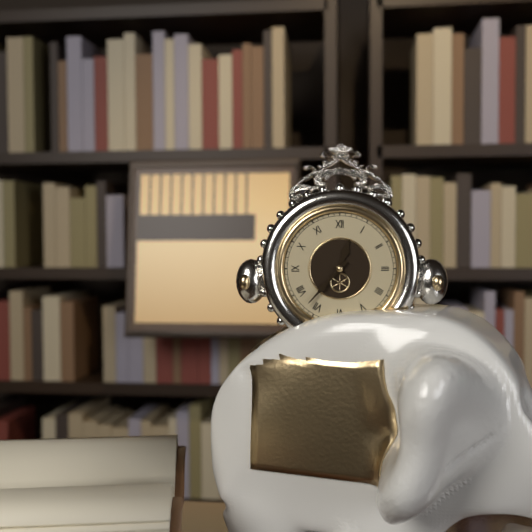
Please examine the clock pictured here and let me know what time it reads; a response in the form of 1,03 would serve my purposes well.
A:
12,37
